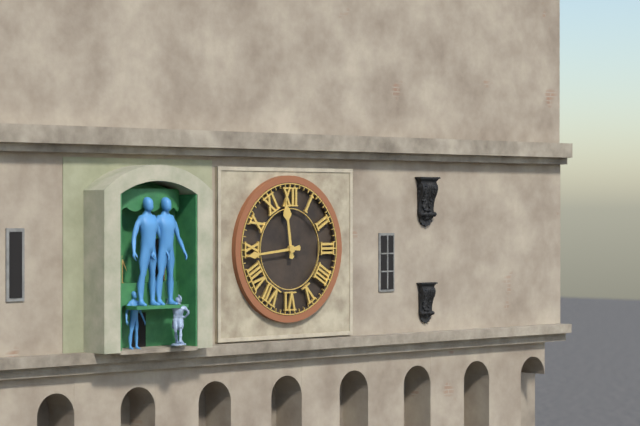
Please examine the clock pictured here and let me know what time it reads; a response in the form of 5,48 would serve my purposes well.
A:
11,44
